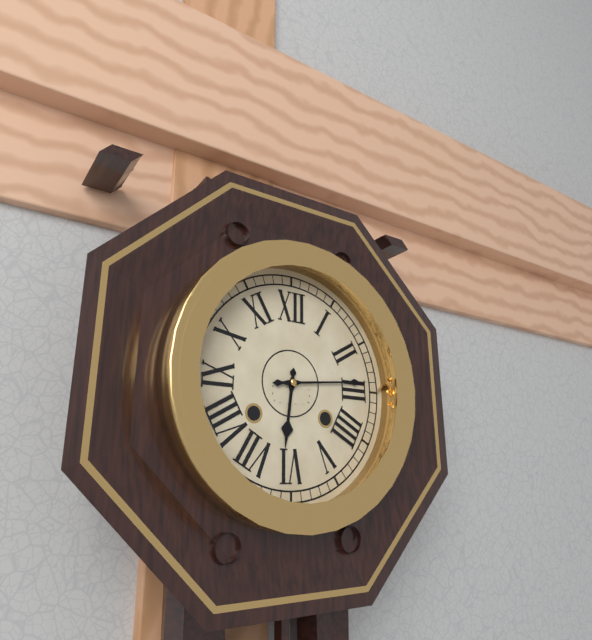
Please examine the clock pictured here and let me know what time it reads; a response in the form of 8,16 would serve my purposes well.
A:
6,14
